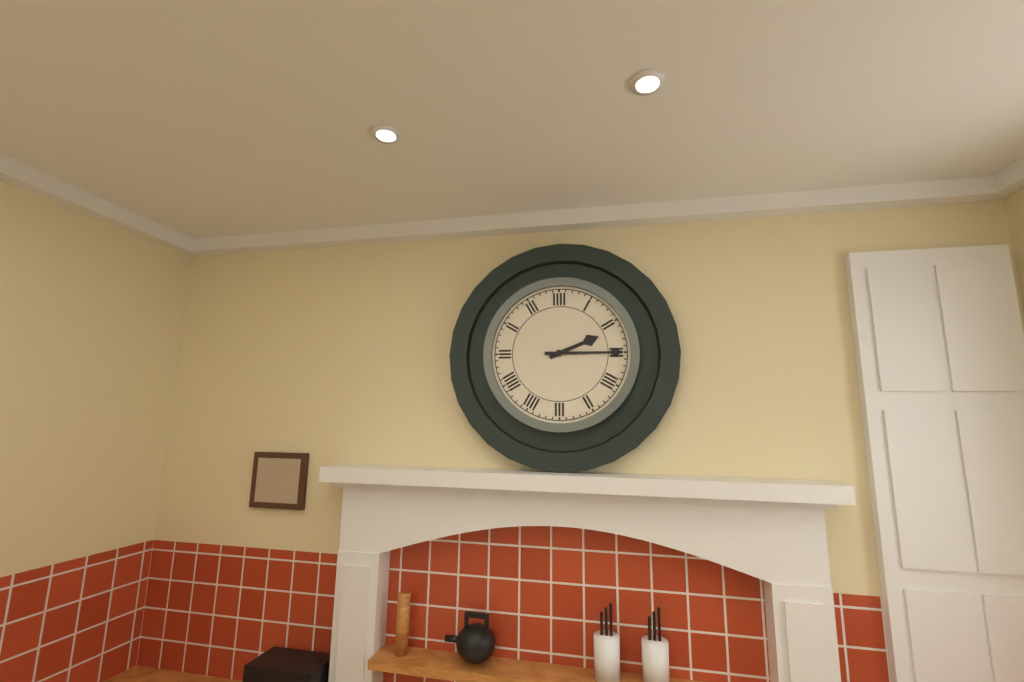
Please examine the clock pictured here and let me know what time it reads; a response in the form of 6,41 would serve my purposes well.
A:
2,15
